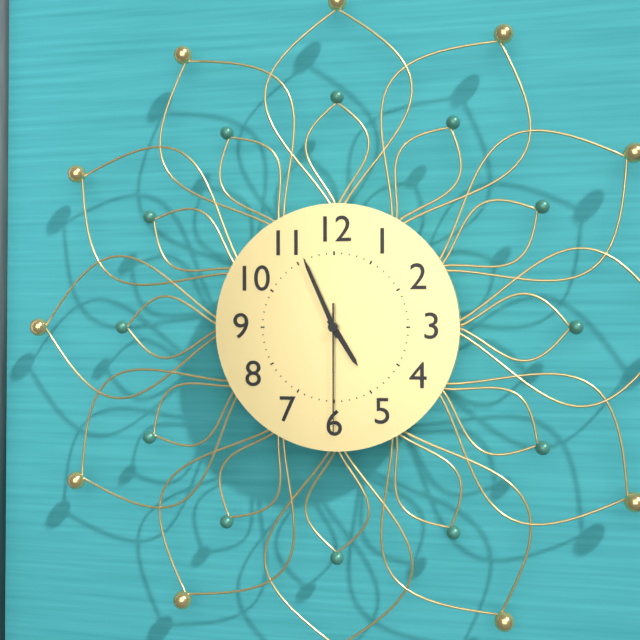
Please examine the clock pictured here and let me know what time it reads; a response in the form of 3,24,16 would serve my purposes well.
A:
4,56,30
